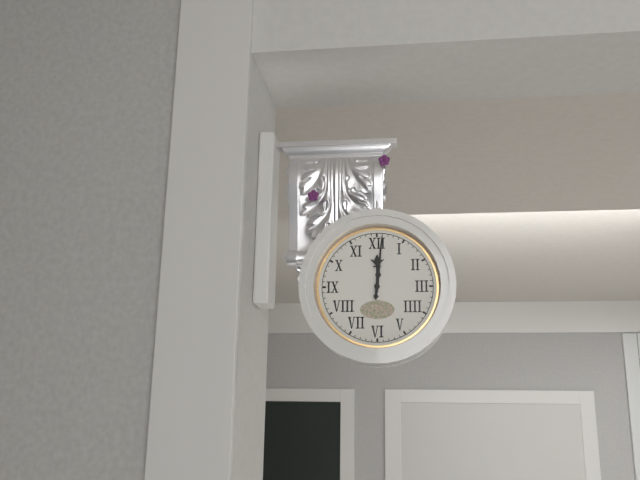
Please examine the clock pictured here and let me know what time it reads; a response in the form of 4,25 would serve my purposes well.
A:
12,01
